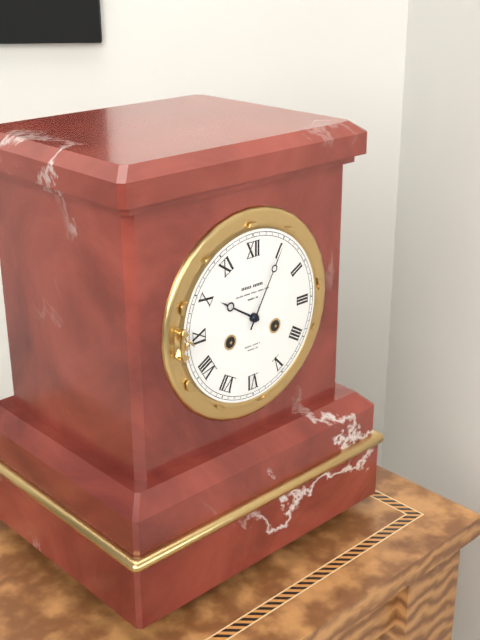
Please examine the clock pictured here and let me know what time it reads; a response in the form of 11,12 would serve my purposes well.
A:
10,05
